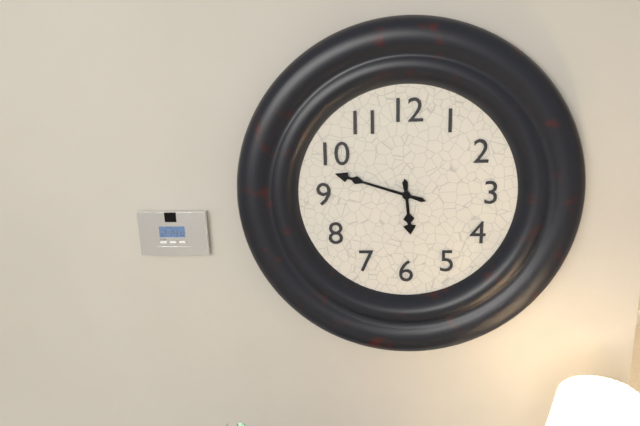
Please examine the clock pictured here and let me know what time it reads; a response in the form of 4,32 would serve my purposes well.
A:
5,48
